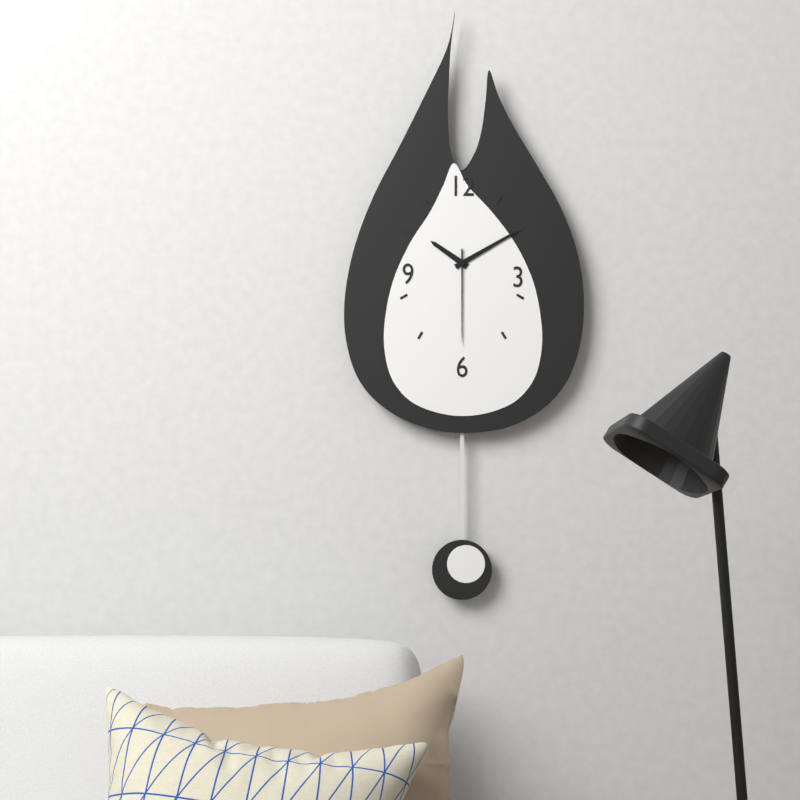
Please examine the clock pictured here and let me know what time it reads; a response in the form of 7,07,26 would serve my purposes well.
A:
10,10,30
